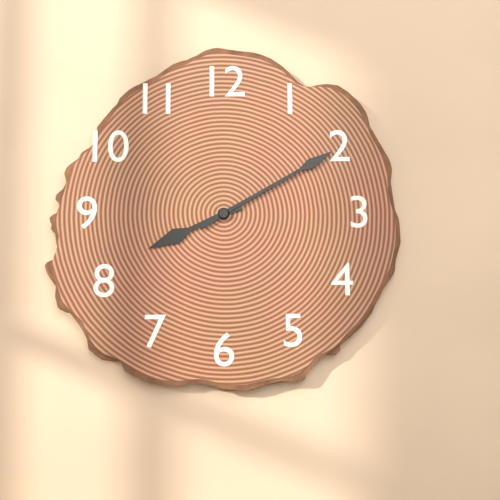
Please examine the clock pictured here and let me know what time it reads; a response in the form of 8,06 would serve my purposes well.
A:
8,10
